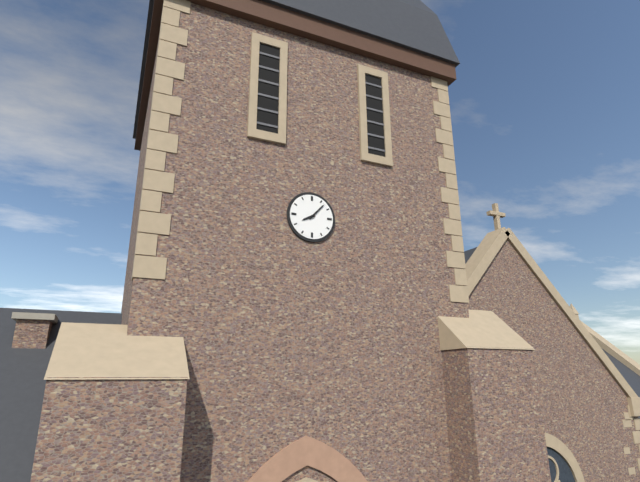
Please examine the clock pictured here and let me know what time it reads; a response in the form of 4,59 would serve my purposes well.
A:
8,07
